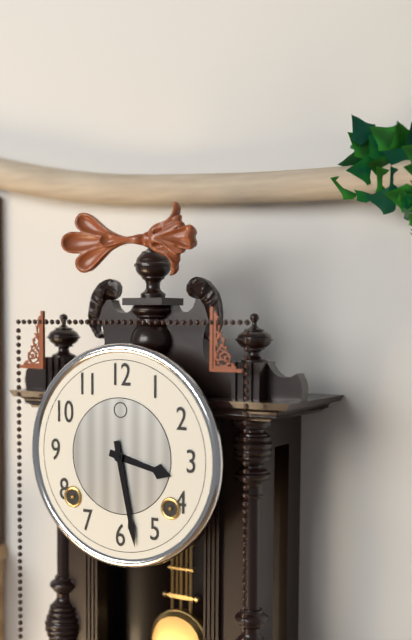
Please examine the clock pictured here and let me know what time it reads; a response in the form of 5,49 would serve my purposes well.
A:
3,28
